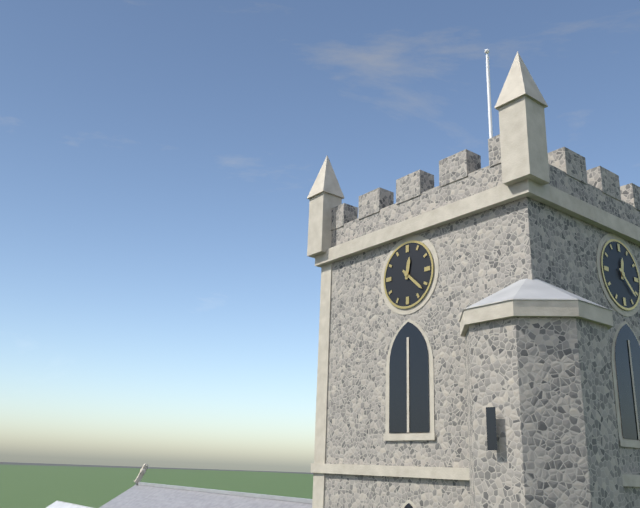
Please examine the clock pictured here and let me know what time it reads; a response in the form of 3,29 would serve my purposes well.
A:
12,22
